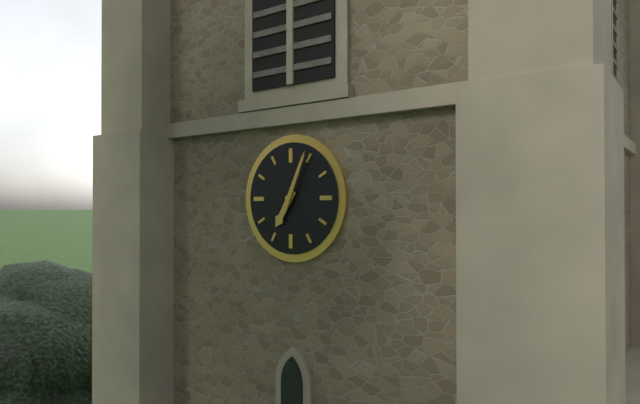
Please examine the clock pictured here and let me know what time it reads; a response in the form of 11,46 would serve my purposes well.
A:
7,04
